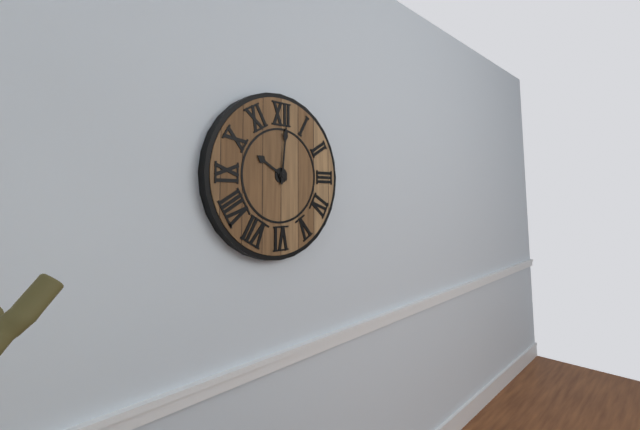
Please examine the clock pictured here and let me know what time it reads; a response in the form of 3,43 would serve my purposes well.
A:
10,01
